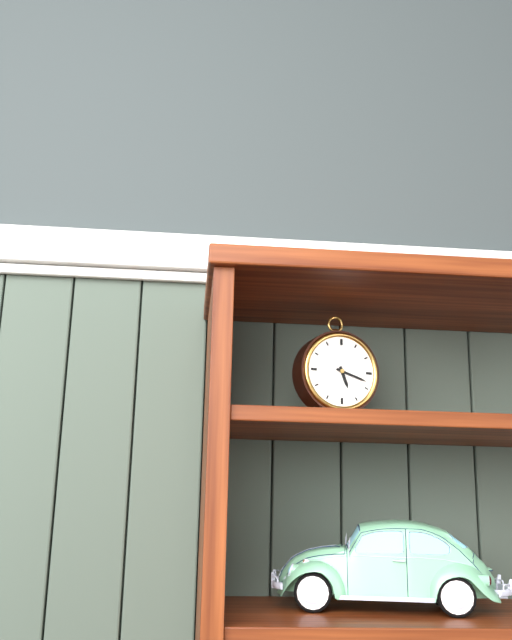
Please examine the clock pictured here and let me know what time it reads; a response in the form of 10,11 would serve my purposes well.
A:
5,18
